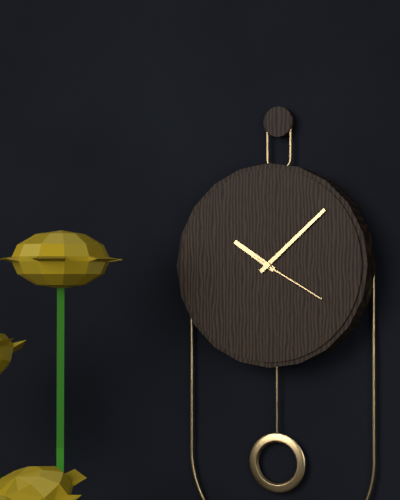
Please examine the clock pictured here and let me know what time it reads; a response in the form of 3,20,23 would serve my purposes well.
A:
10,08,20
